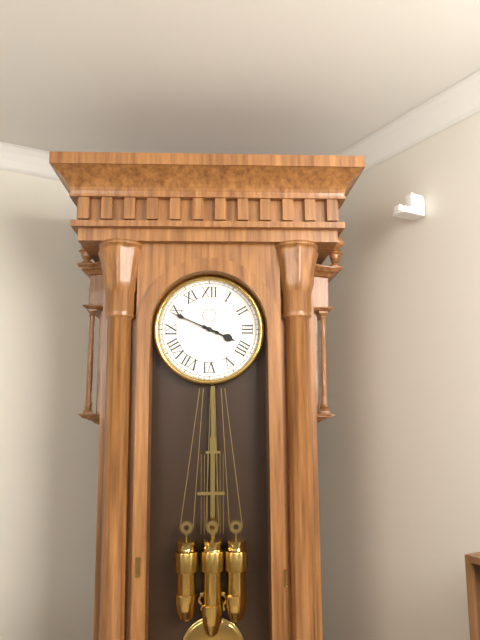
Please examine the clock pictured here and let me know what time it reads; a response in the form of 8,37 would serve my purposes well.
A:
3,49
